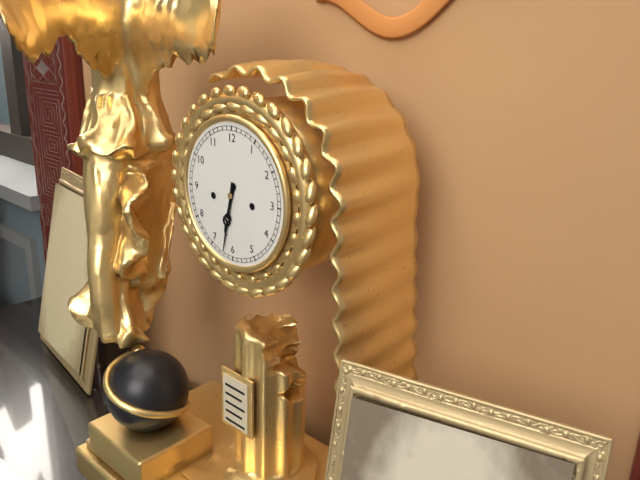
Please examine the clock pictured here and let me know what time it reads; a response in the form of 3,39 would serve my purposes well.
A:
6,32
